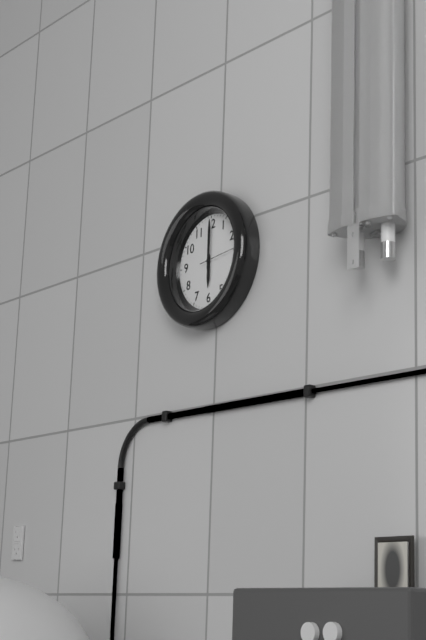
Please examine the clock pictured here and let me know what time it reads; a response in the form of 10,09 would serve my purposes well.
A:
6,00
